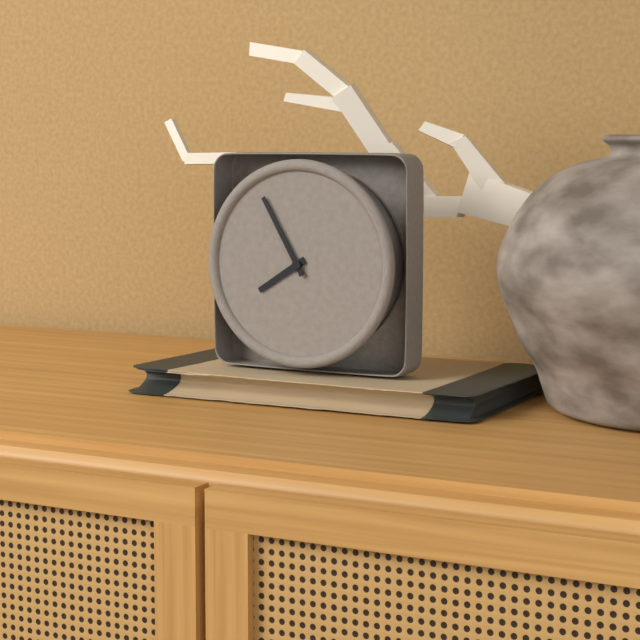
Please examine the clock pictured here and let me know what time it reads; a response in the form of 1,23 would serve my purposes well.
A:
7,55
